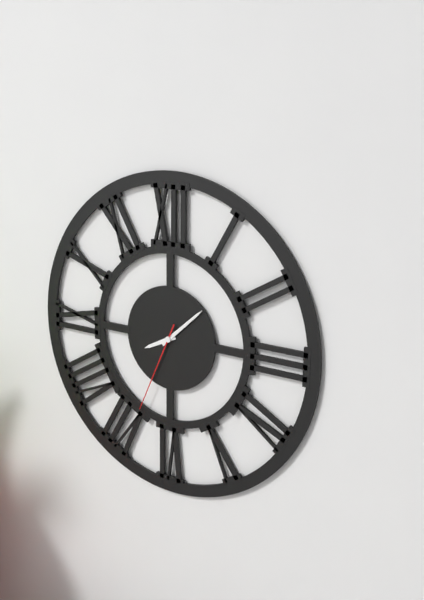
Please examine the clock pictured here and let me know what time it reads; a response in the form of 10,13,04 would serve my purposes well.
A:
8,08,34
